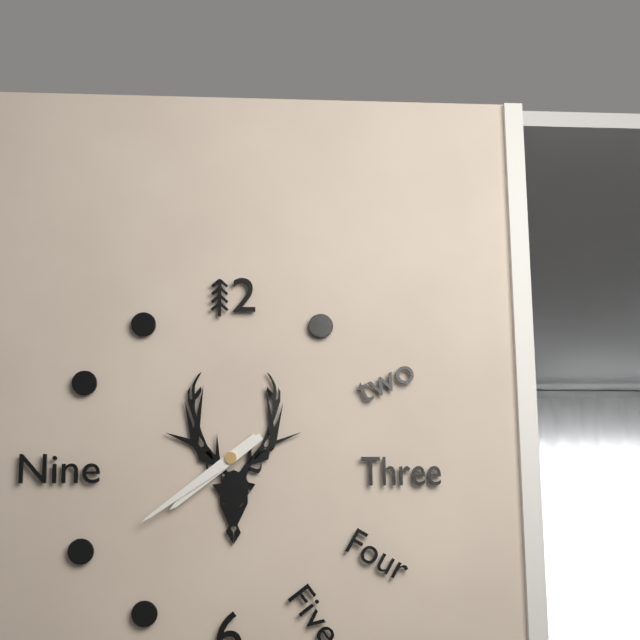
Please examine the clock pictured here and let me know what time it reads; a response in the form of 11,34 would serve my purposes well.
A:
7,39
